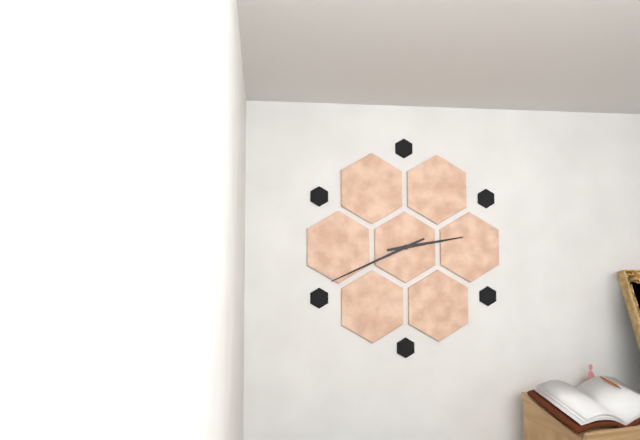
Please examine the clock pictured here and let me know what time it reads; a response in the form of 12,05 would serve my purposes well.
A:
2,41
